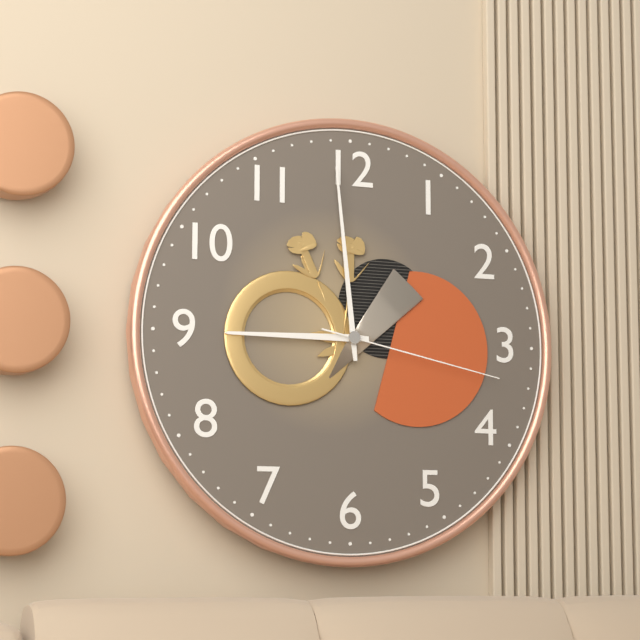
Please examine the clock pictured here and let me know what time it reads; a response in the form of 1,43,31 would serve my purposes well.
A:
8,59,17
